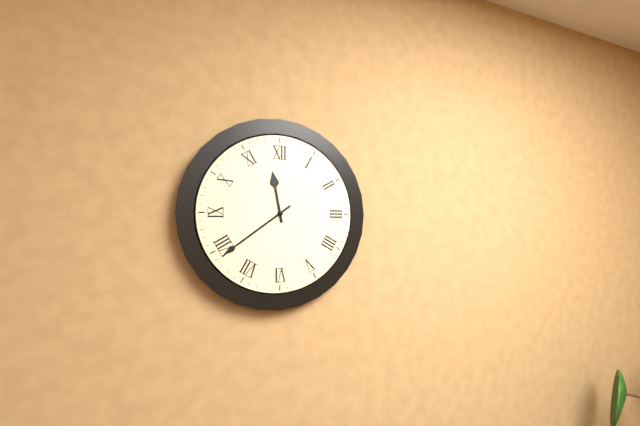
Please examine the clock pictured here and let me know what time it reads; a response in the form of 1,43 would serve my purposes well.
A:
11,39
